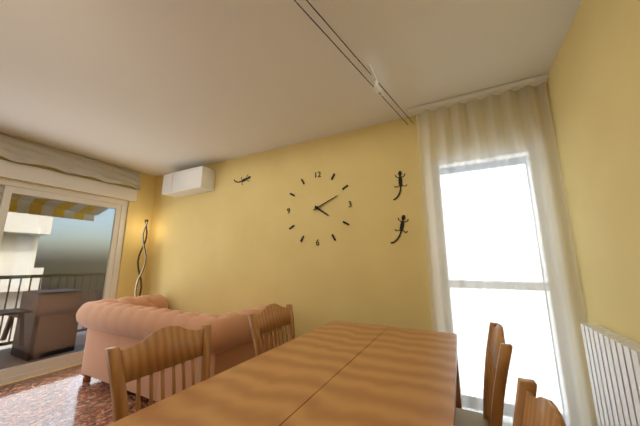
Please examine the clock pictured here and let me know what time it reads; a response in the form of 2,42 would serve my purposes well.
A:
4,11
